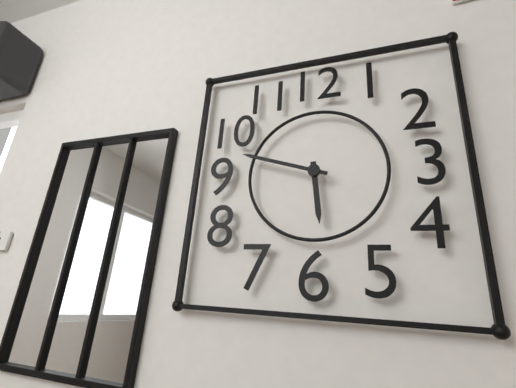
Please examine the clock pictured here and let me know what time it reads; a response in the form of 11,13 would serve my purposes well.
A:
5,48
